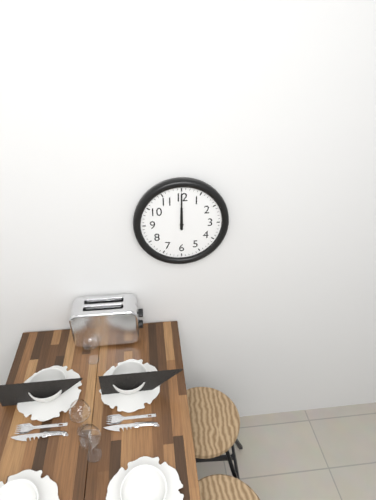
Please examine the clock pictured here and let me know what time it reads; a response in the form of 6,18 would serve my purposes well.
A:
12,00
